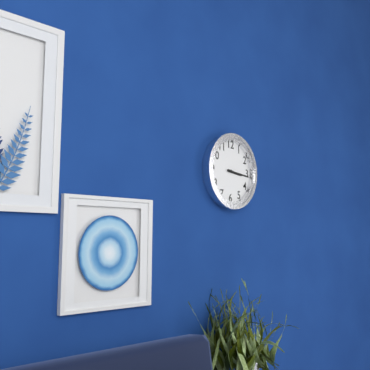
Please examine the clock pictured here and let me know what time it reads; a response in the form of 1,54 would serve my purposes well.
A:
3,16
